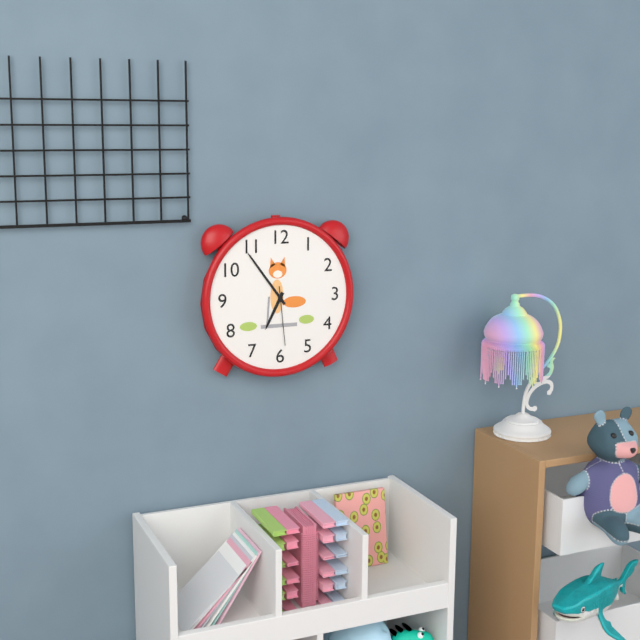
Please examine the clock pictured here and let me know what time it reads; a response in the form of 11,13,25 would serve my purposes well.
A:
6,54,29
